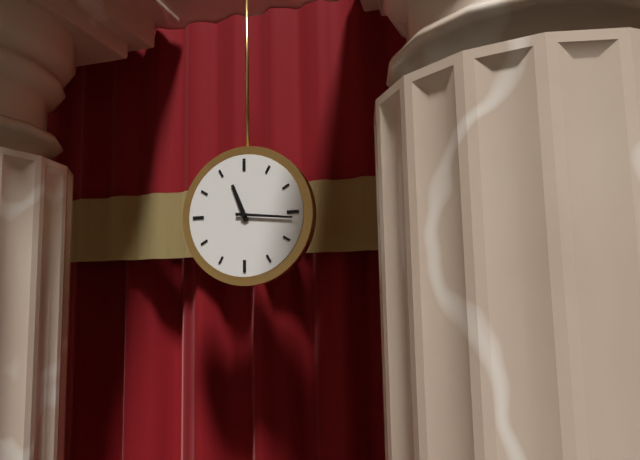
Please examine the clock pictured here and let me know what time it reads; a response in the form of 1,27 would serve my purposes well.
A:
11,16
